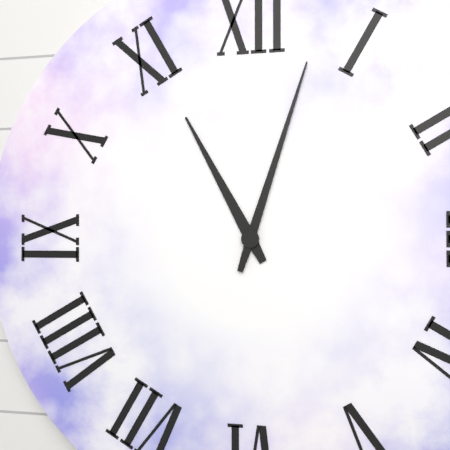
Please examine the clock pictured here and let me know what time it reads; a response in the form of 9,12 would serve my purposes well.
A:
11,03
